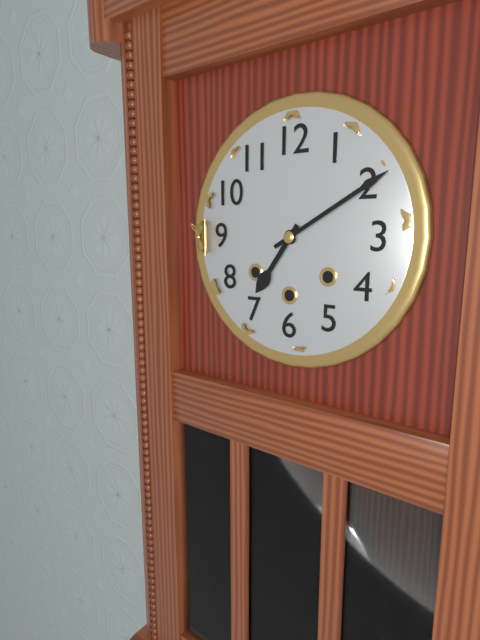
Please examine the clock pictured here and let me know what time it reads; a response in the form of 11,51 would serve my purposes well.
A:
7,10
